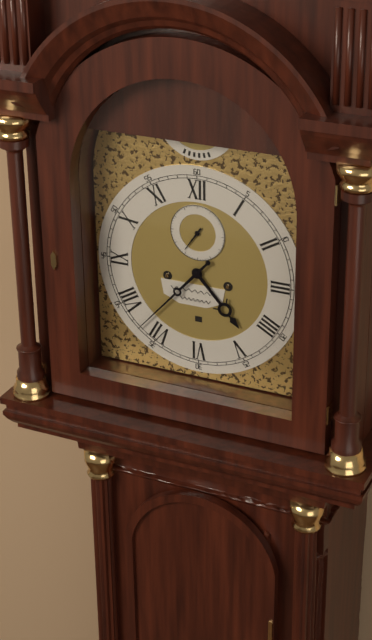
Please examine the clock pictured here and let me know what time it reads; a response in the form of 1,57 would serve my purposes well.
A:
4,37
